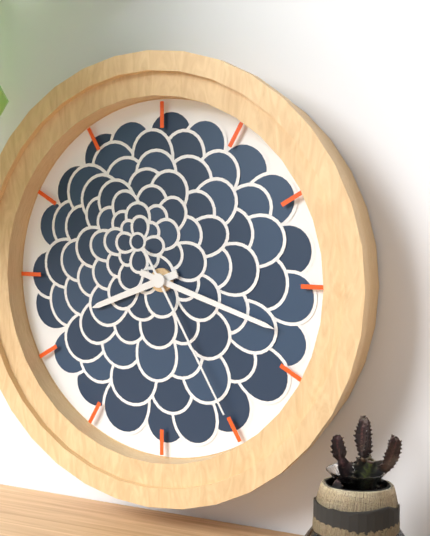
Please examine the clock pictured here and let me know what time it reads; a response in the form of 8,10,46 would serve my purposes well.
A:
8,18,25
